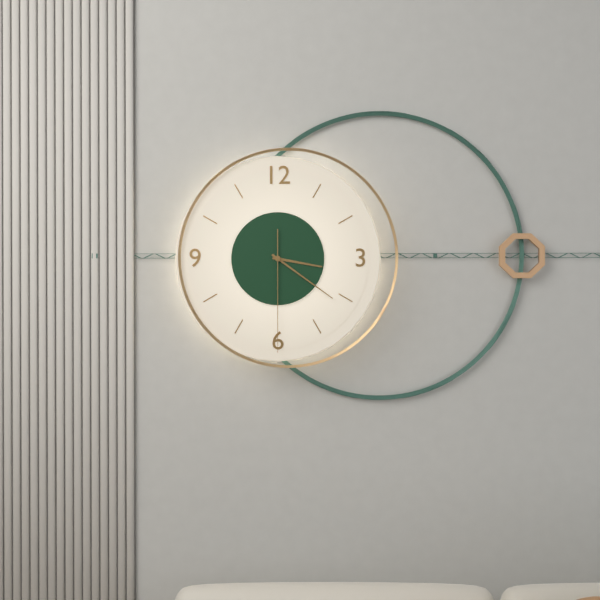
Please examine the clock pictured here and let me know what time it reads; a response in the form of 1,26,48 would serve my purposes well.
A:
3,21,30
